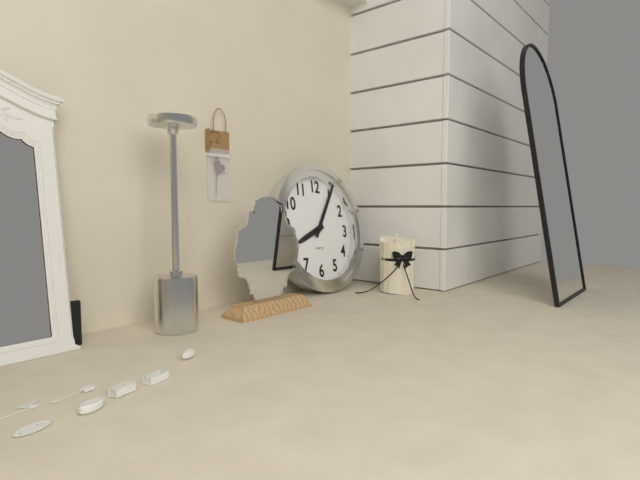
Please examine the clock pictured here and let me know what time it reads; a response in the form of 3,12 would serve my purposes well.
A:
8,05
